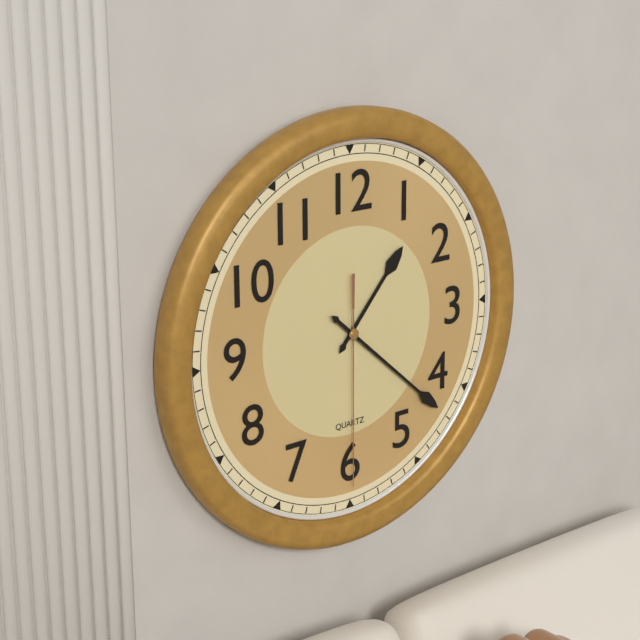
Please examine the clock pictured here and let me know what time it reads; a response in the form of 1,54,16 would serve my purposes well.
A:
1,22,30
